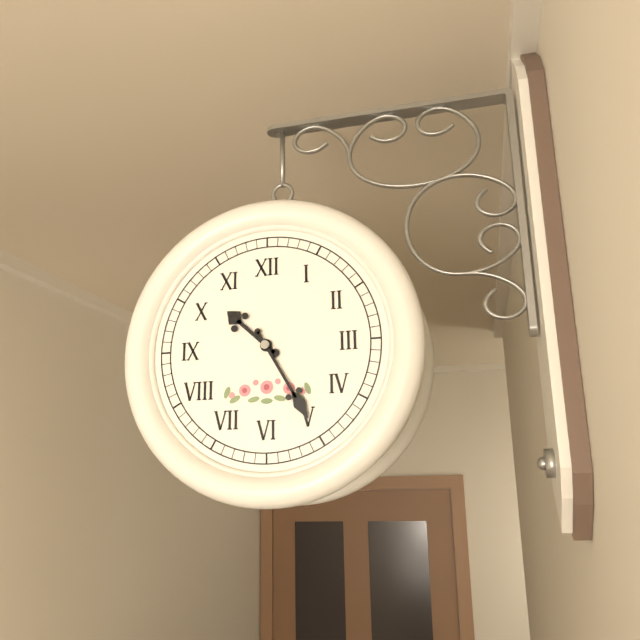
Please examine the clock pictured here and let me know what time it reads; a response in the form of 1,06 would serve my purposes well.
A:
10,25
